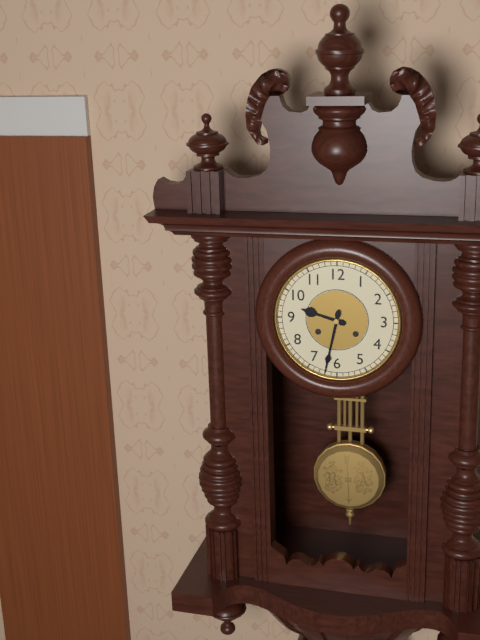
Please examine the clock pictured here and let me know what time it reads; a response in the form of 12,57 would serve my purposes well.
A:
9,32
